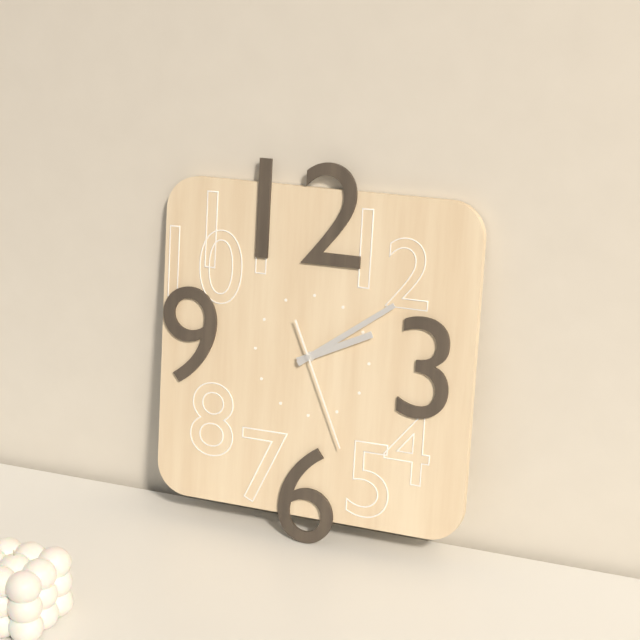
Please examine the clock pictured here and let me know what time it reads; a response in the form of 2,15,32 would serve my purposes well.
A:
2,09,26
